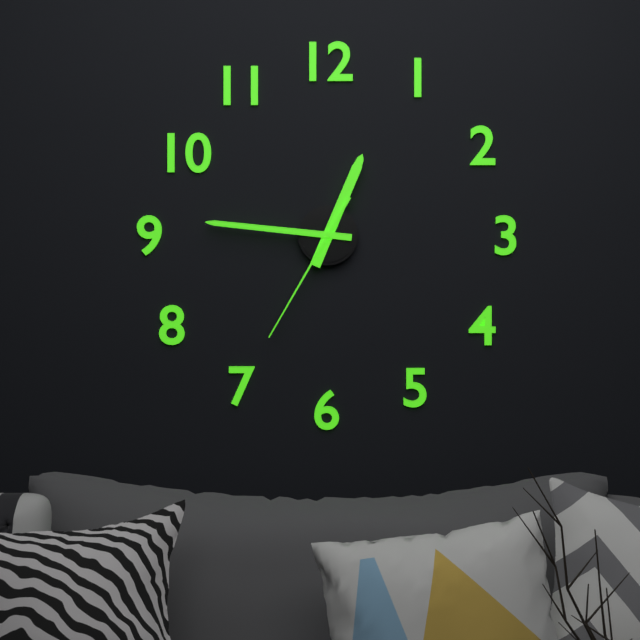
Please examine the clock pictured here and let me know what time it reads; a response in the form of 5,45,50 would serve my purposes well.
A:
12,46,35
